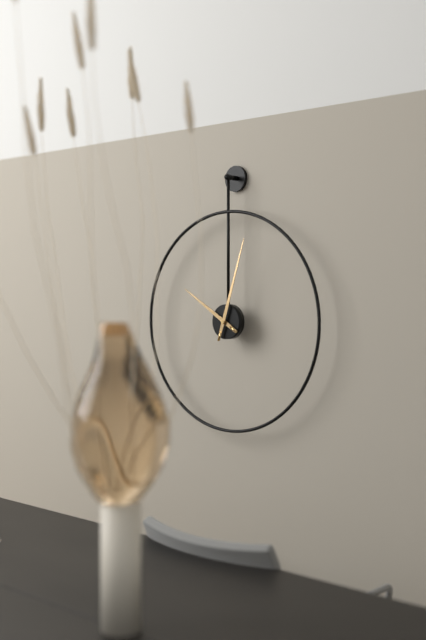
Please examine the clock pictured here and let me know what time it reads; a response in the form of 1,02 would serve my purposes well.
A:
10,03
